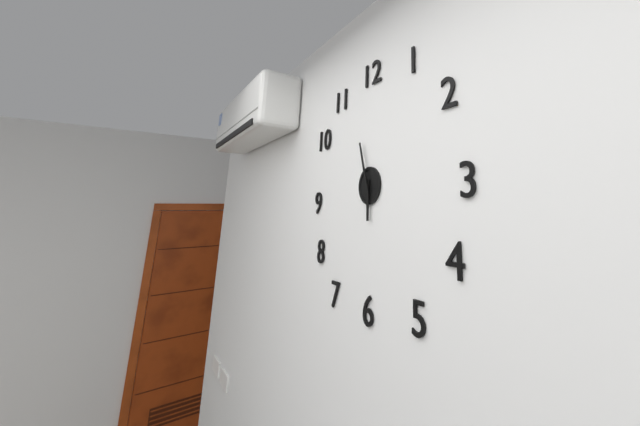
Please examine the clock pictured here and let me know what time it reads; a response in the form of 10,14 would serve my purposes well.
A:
5,57
